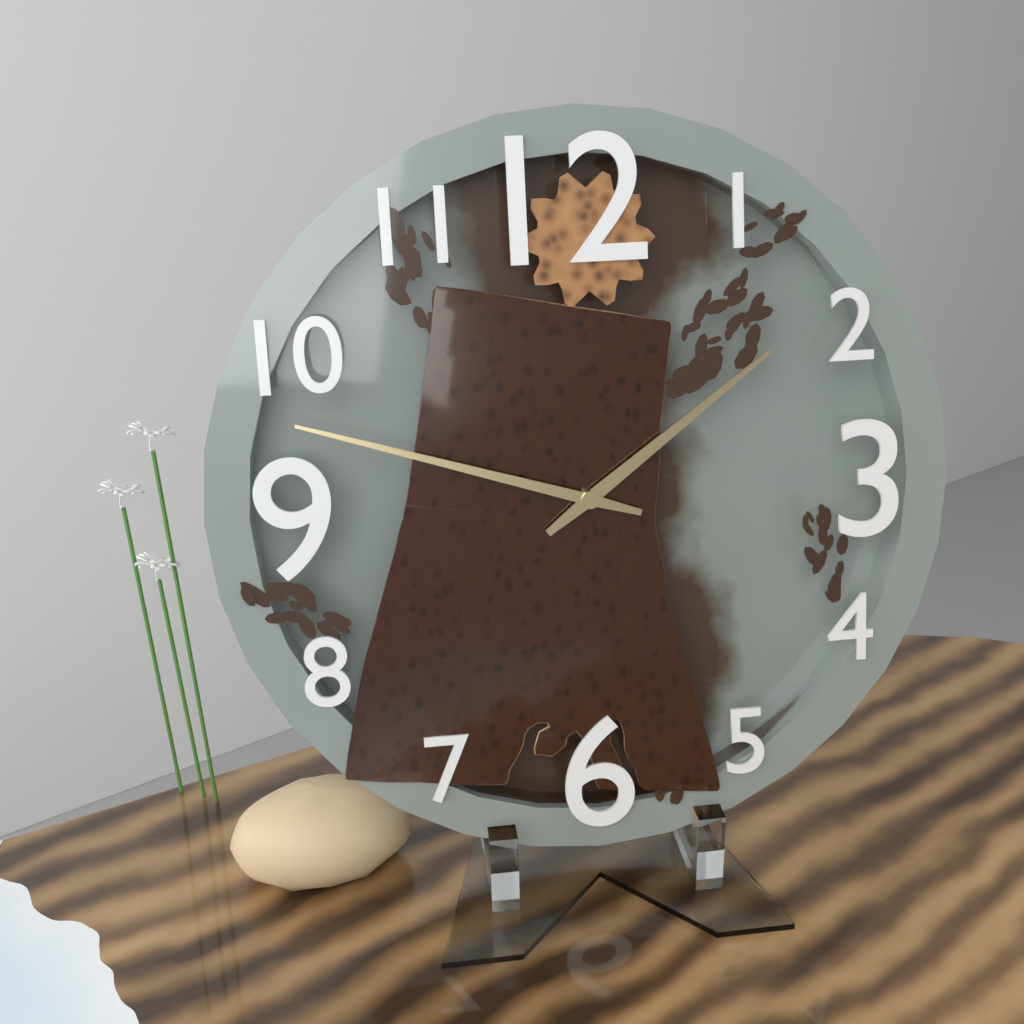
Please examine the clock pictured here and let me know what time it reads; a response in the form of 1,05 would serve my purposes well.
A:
1,48
